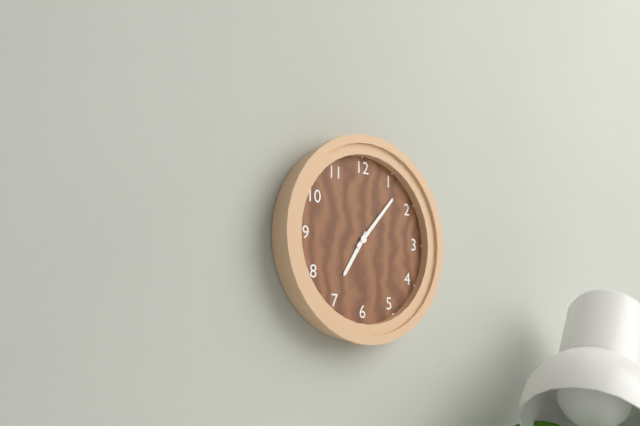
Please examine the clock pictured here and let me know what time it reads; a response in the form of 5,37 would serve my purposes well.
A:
7,07
